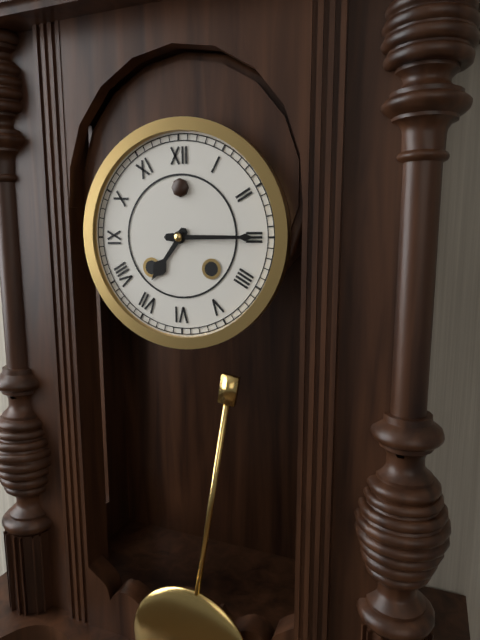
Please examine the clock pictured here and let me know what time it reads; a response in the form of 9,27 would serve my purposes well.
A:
7,15
